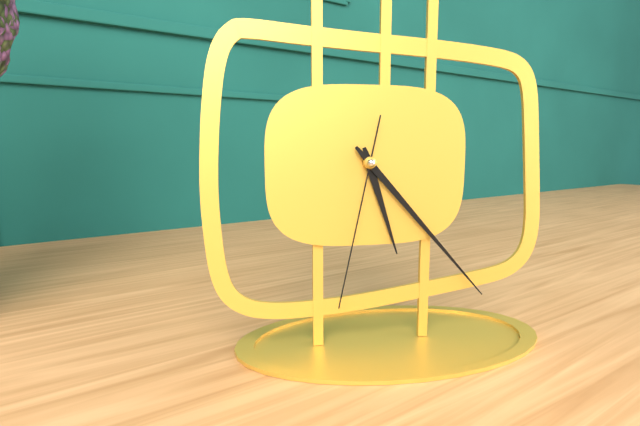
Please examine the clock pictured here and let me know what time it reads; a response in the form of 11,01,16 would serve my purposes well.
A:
5,23,32
